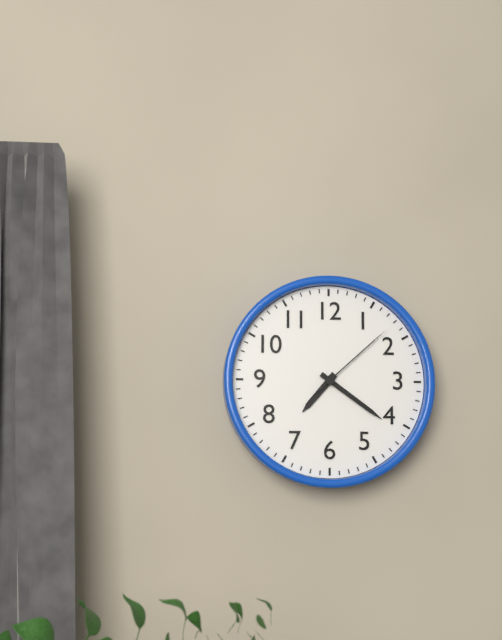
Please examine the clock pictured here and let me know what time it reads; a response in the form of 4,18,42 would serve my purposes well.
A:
7,21,08
